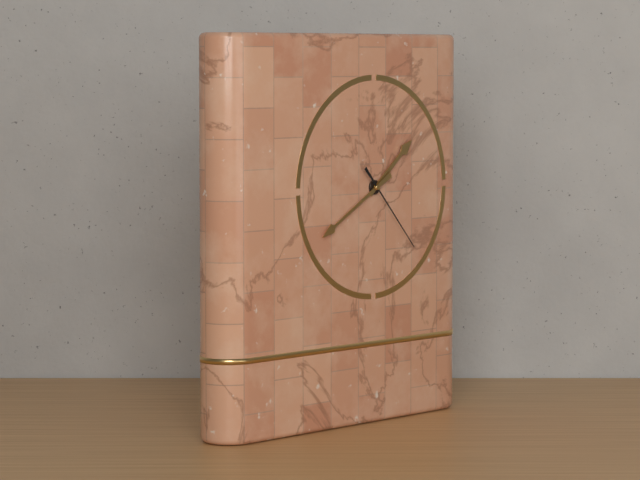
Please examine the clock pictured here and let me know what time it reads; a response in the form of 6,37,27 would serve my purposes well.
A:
1,40,23
